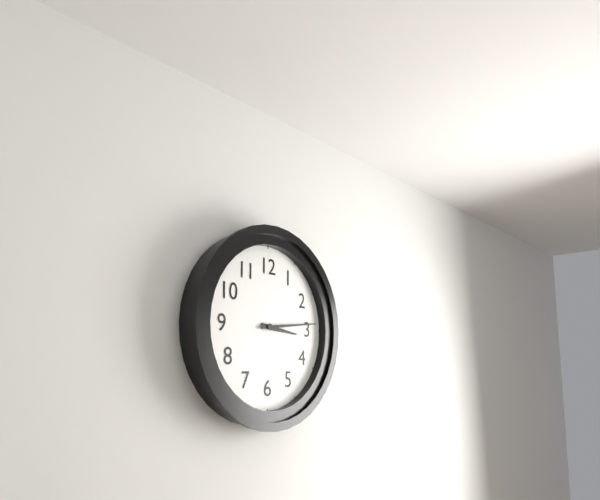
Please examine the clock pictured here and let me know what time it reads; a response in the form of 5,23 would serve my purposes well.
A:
3,14
